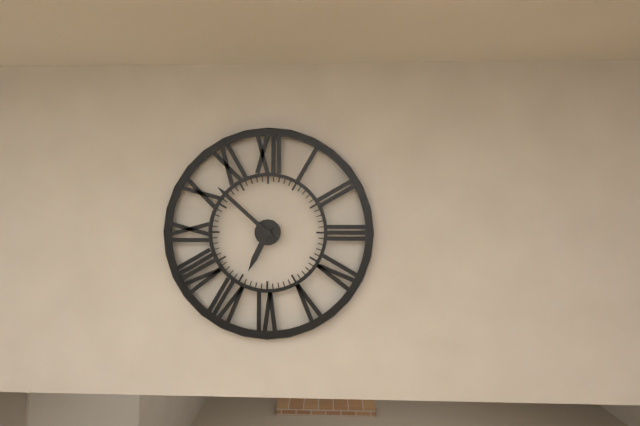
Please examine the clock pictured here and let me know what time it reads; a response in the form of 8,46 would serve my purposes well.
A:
6,52
